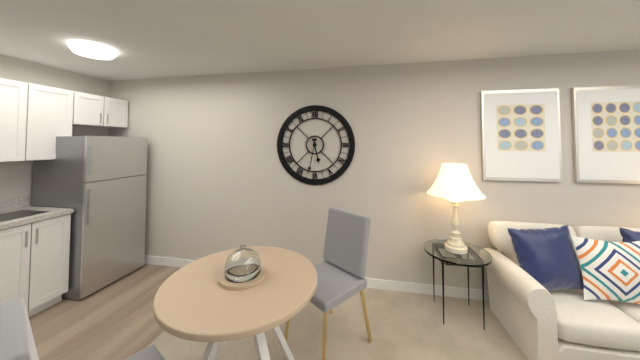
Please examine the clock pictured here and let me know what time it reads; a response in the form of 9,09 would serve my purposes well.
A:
5,32
